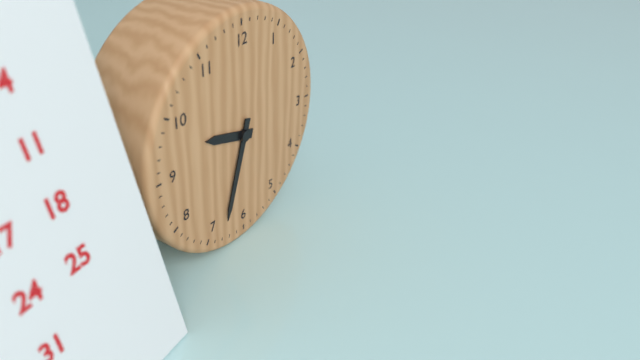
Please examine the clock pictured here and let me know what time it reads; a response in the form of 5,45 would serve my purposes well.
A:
9,33
